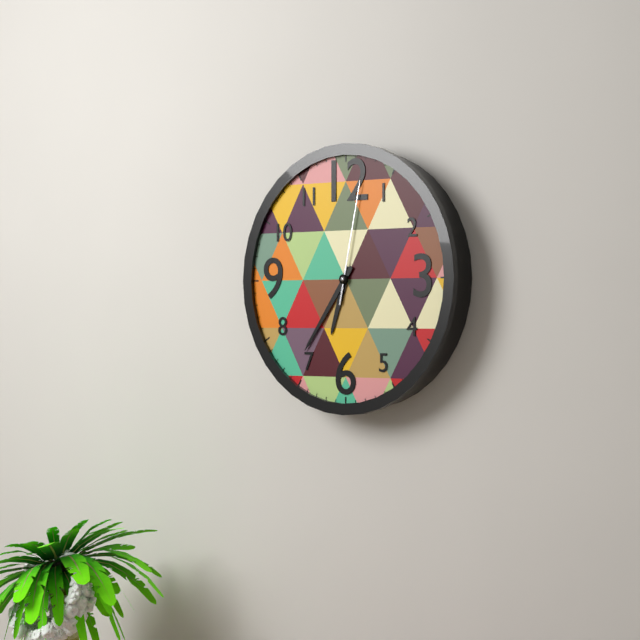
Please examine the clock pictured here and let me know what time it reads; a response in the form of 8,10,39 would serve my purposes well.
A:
6,36,02
